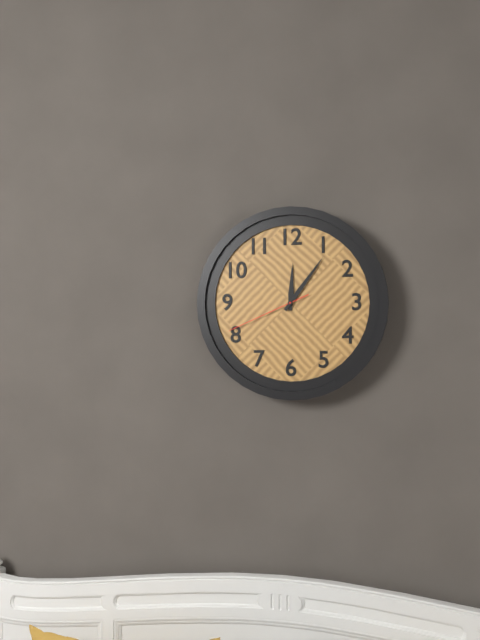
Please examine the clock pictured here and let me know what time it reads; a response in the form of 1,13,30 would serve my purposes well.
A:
12,06,41
